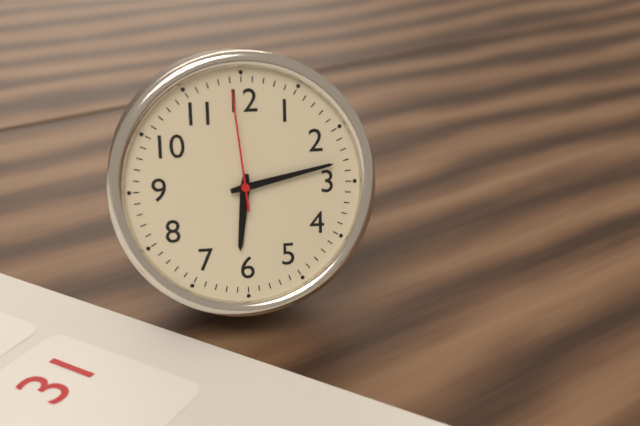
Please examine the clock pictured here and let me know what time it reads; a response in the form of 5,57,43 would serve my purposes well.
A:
6,13,59
